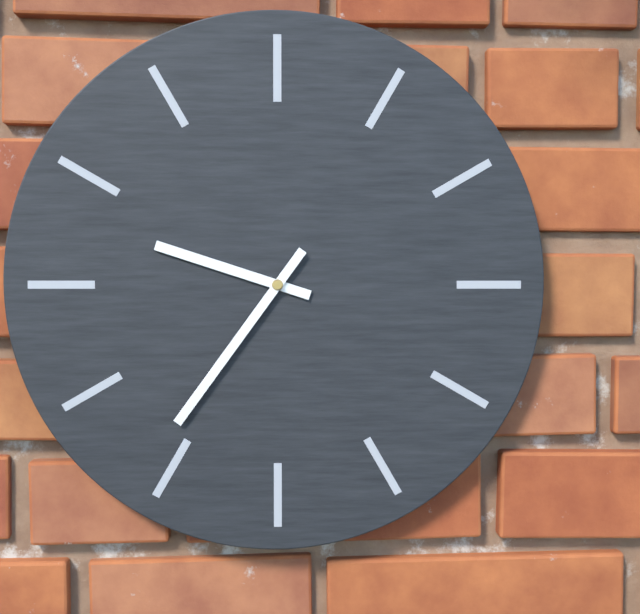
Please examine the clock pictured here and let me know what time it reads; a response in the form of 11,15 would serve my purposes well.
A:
9,36
